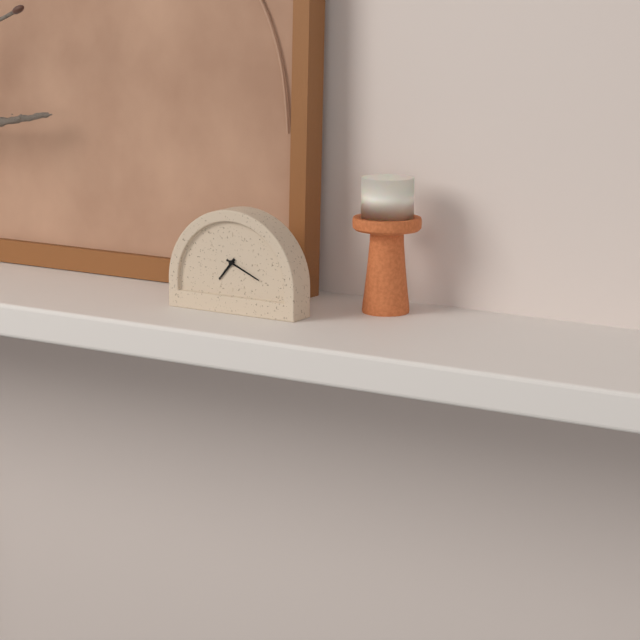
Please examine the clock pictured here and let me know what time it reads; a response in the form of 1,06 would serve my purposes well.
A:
7,19
